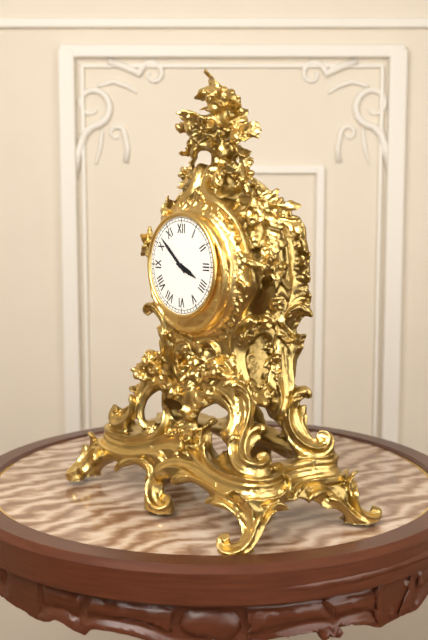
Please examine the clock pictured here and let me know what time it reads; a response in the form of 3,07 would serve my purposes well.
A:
3,52
